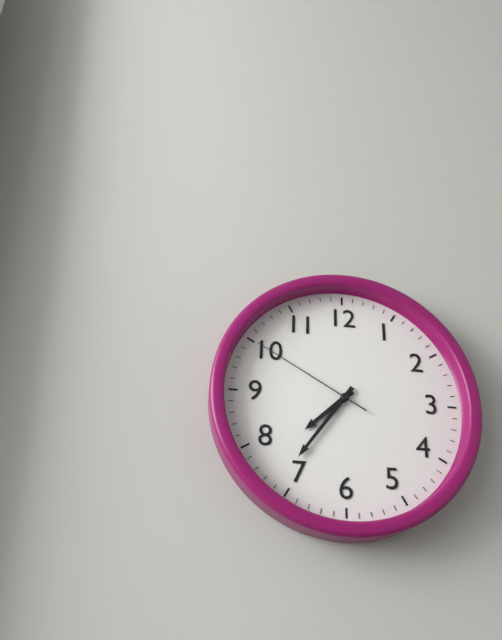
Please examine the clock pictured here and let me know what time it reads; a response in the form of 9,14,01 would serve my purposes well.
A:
7,36,50
